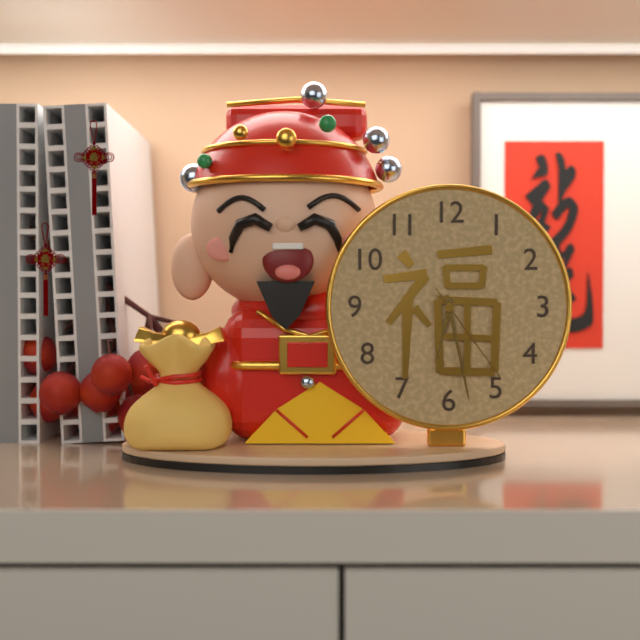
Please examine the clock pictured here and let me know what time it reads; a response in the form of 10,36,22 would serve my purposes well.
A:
6,28,24
